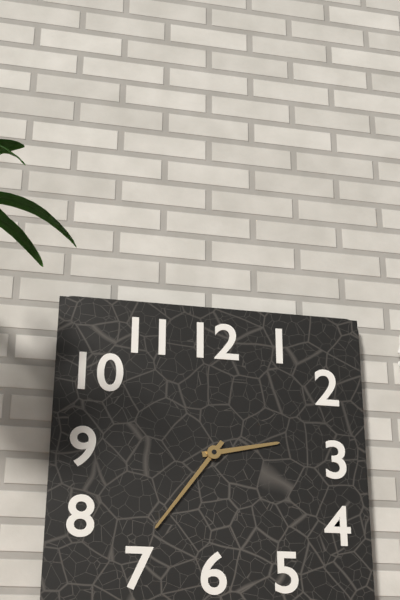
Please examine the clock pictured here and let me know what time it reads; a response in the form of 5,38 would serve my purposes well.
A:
2,36
